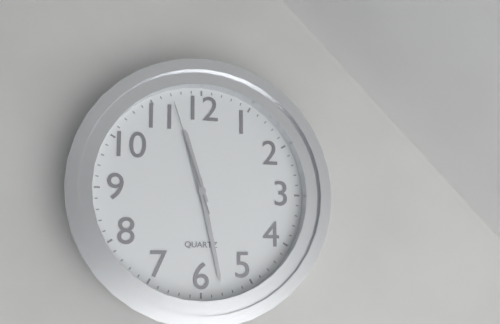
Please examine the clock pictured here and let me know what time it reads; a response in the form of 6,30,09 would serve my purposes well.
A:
11,28,57
